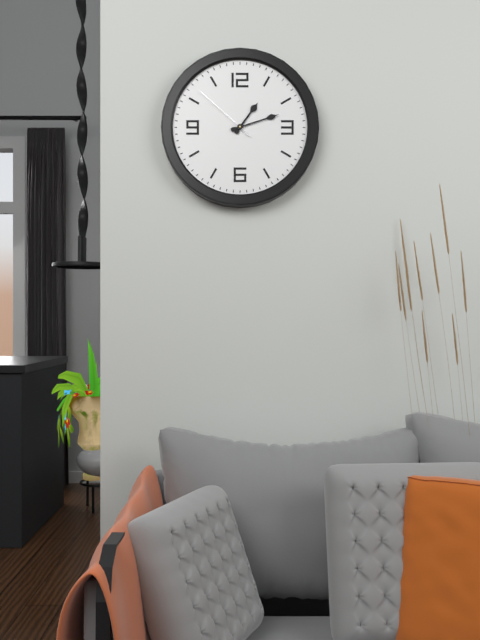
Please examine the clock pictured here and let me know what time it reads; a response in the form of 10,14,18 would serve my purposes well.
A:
1,12,52
